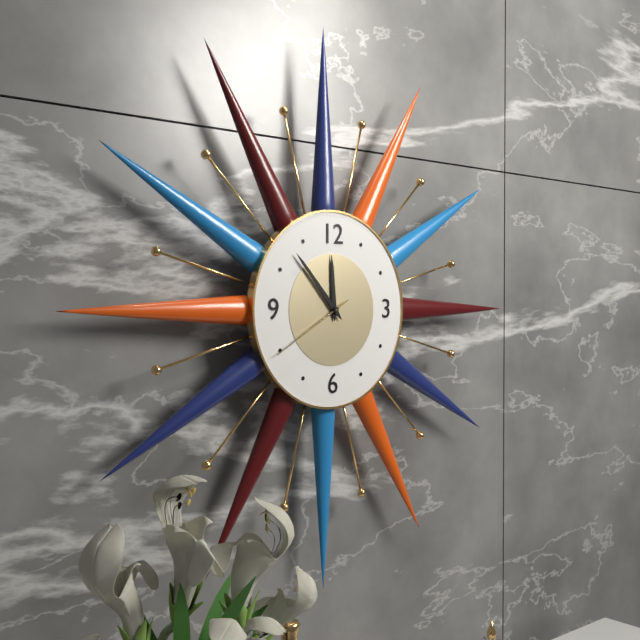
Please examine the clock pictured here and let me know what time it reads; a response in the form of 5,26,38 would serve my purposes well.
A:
11,53,40
